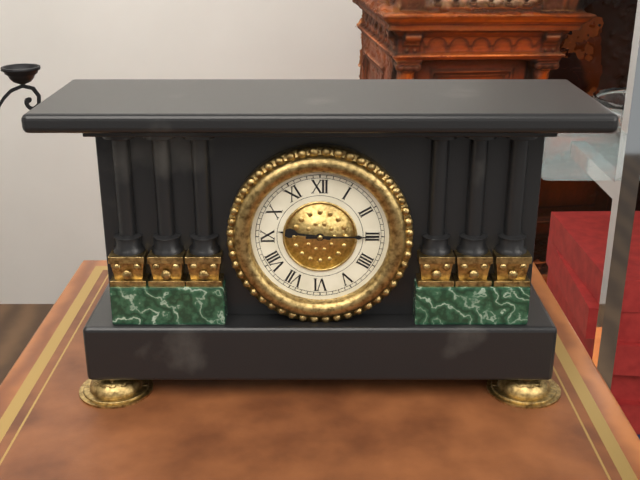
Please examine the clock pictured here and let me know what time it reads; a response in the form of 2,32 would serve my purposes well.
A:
9,15
